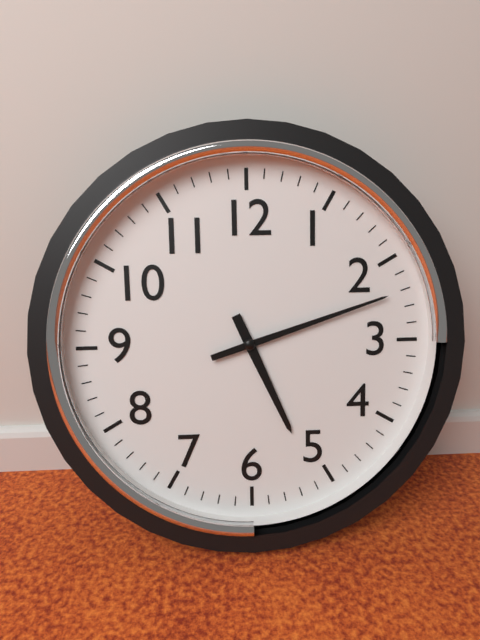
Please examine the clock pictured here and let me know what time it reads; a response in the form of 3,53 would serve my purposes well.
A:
5,12
